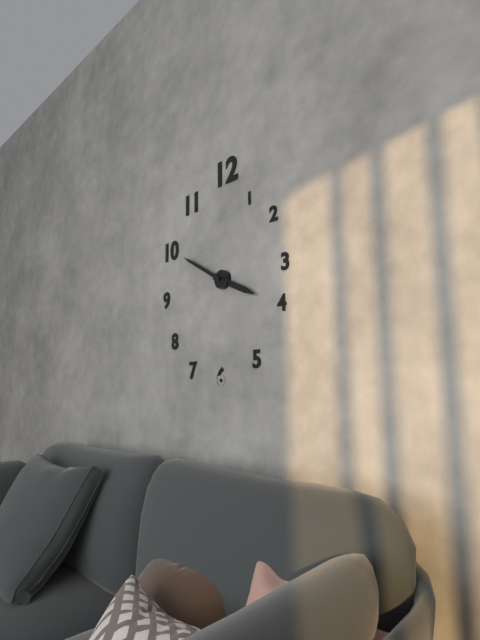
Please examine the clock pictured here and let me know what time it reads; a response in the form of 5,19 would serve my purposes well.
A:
3,50
